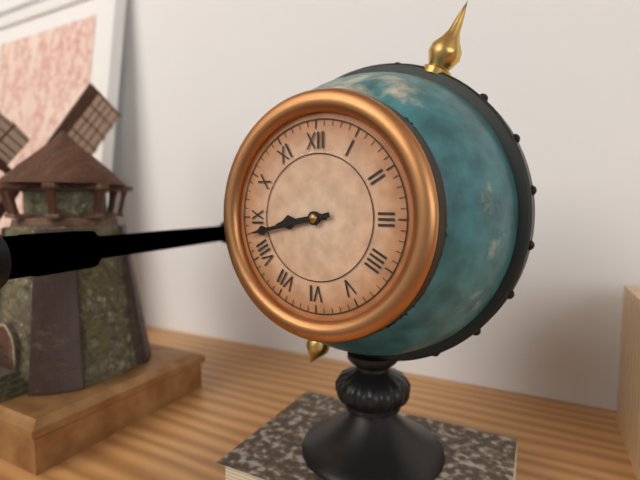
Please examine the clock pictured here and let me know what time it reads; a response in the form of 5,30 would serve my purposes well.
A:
8,43
